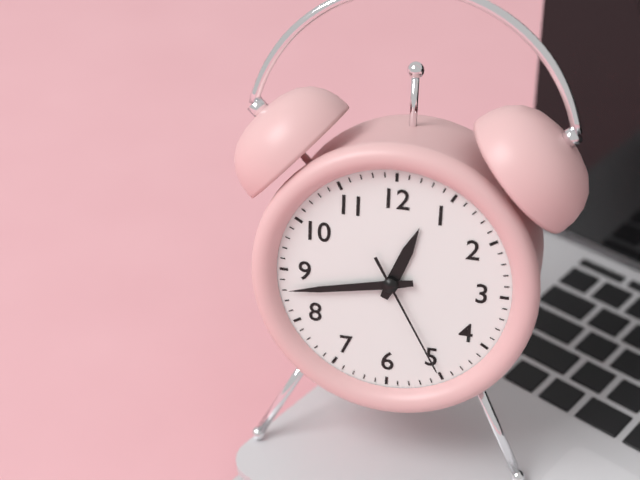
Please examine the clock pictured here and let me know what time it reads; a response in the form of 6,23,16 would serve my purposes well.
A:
12,43,25
